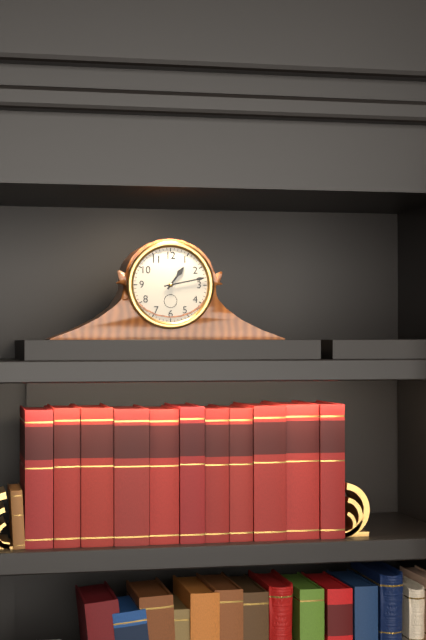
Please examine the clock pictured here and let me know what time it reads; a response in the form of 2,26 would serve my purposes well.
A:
1,13
